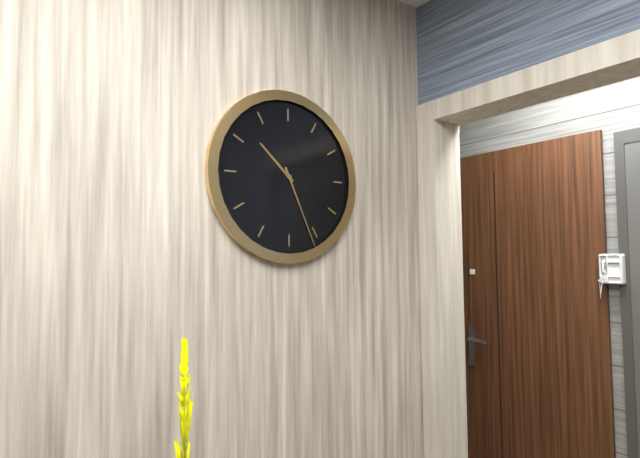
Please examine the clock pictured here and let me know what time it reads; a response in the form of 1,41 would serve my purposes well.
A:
10,26
